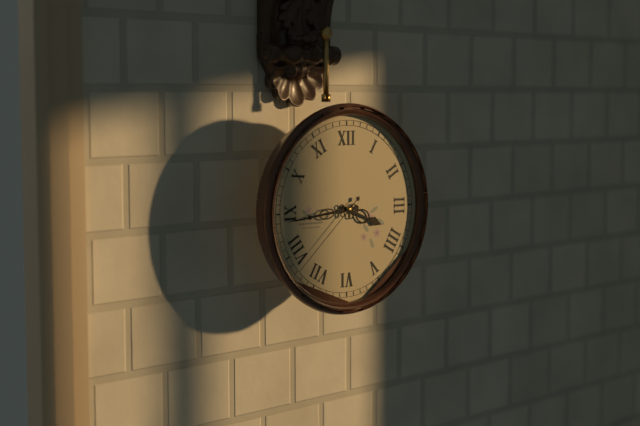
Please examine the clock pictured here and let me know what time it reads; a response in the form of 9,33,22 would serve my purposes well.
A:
3,44,38
